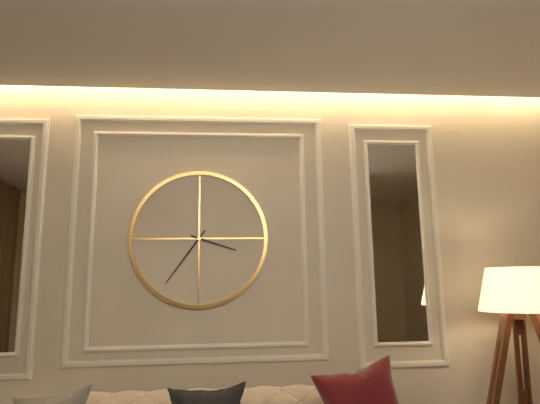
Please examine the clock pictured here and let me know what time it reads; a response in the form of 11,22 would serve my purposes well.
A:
3,36
